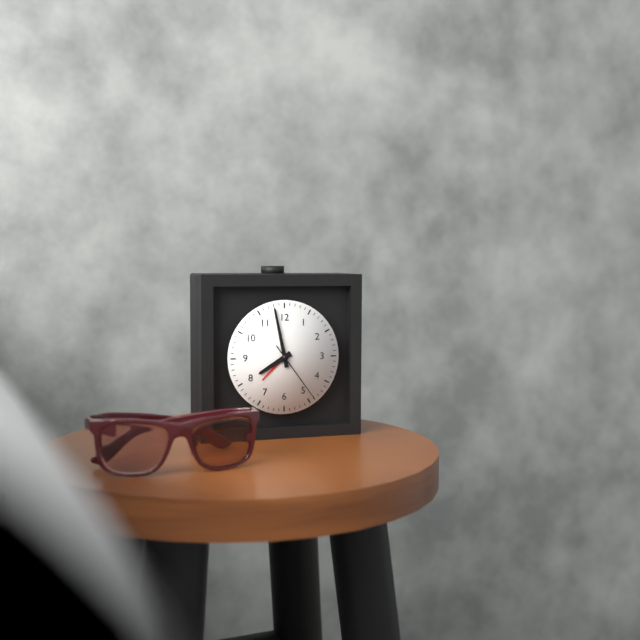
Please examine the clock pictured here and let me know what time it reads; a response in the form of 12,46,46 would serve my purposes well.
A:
7,58,24
